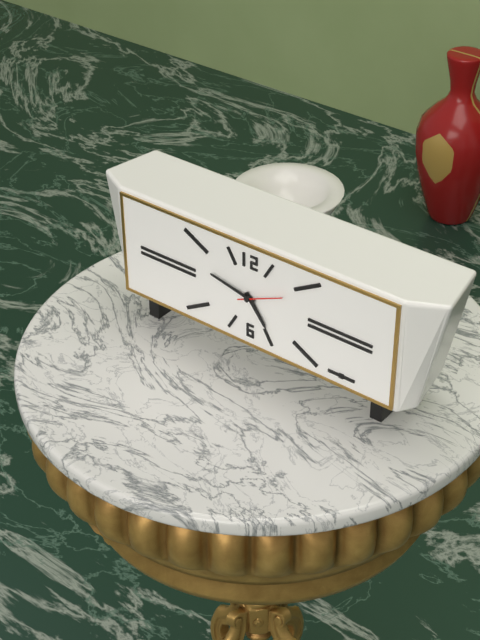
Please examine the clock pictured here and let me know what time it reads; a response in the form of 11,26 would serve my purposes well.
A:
4,47
